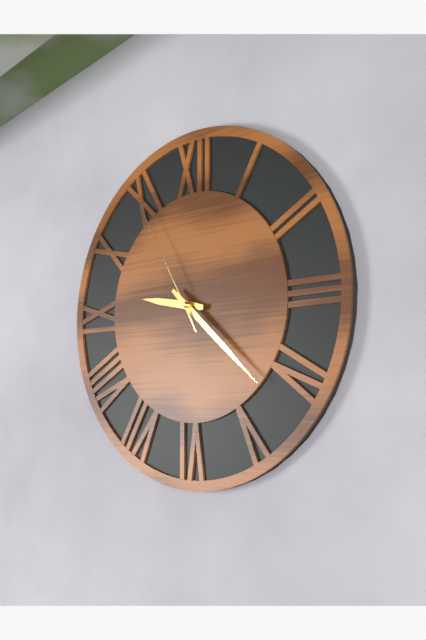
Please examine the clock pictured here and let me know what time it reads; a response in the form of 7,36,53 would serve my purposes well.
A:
9,22,55
